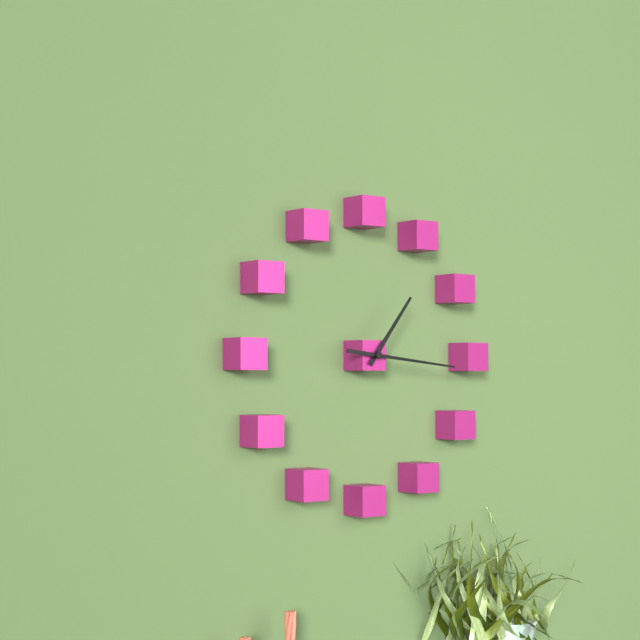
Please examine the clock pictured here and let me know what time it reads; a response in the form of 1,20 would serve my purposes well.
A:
1,16
